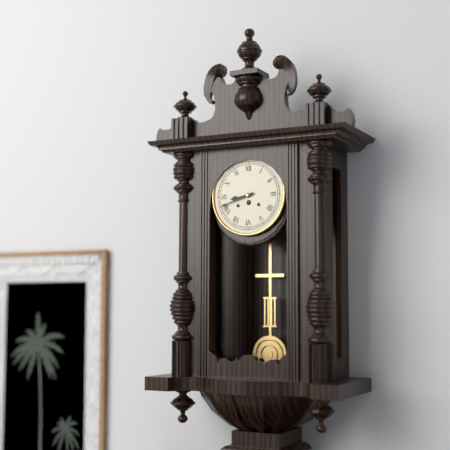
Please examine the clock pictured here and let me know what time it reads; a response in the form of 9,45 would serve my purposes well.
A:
8,42
